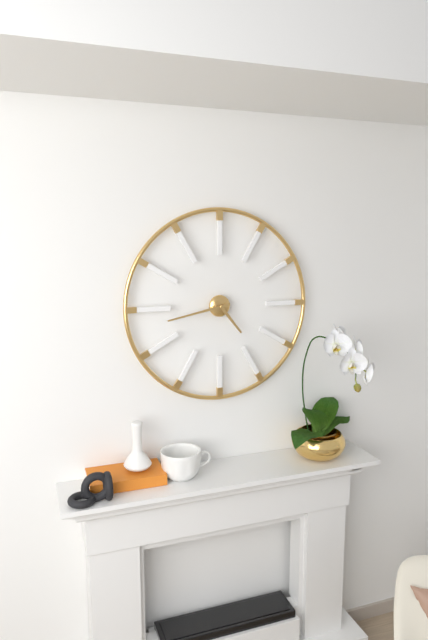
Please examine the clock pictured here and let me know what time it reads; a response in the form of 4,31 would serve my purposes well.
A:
4,43
